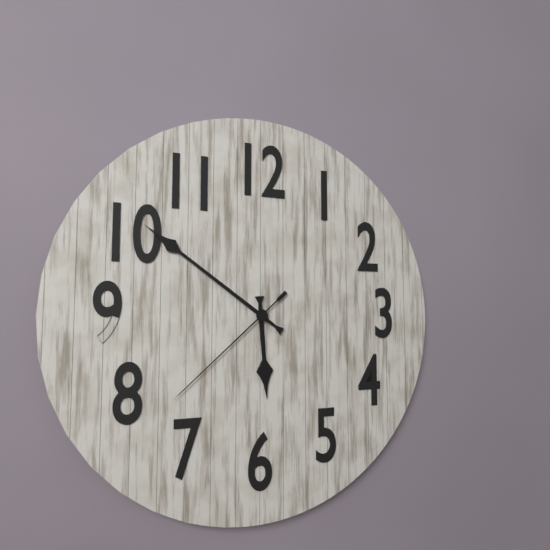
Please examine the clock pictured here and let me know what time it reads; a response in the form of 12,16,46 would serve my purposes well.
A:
5,51,38
